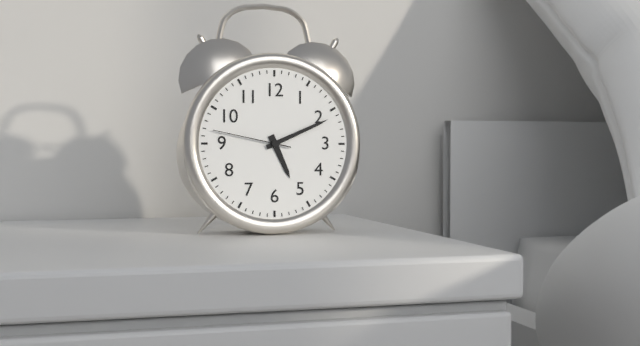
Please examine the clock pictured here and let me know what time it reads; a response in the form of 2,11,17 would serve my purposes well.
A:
5,11,47
